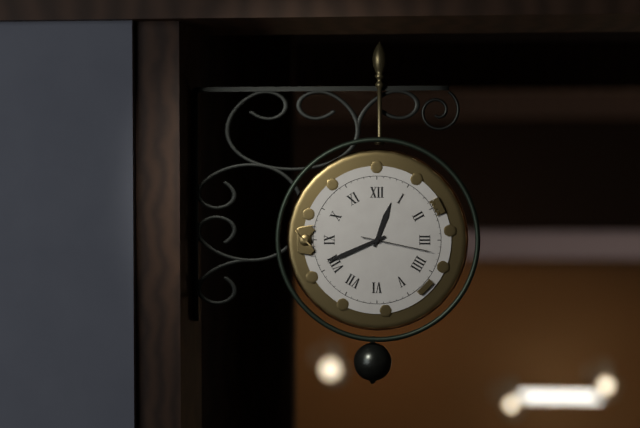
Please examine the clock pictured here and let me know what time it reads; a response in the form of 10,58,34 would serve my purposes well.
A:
12,41,17
